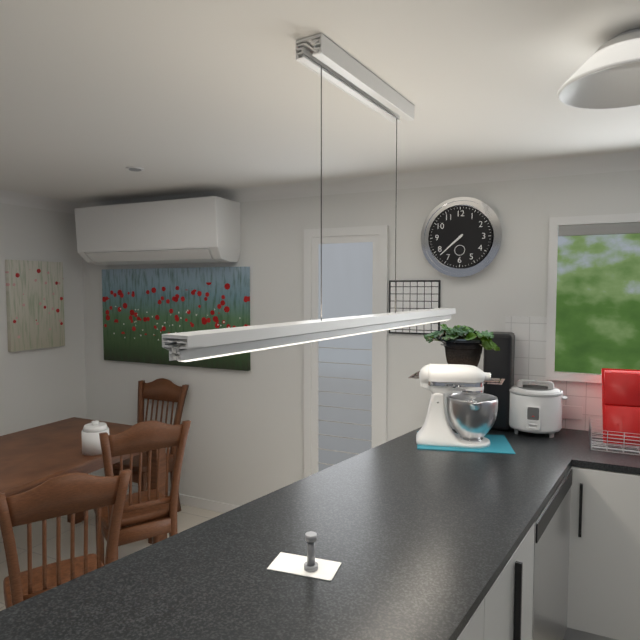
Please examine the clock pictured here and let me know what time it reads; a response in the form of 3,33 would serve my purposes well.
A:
7,38
